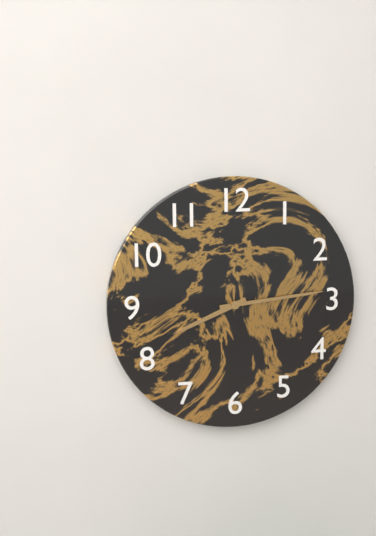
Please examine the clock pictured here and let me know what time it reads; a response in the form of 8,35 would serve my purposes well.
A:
8,14
